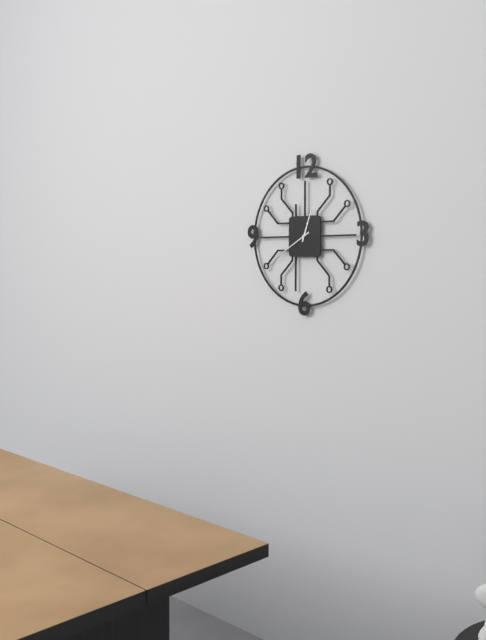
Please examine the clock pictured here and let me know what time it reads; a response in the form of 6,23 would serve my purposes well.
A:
12,40
